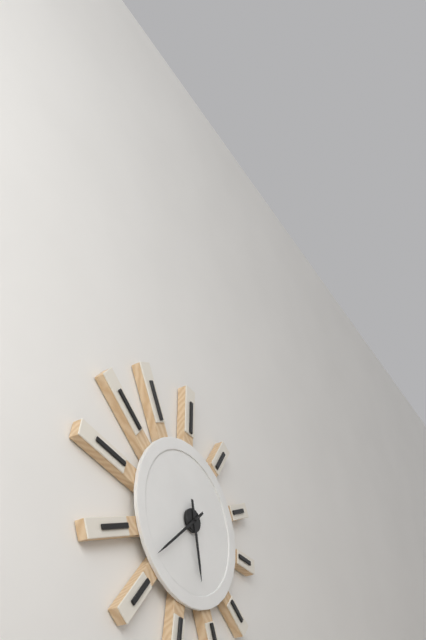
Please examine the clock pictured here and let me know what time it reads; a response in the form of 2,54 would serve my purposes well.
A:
5,38
